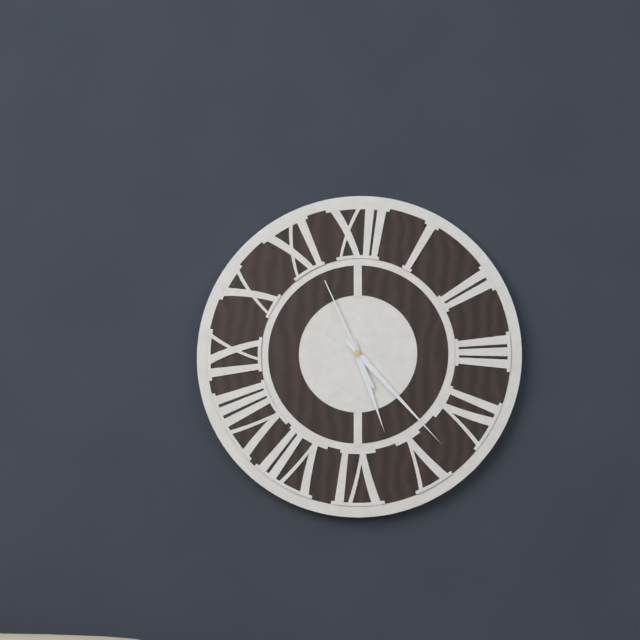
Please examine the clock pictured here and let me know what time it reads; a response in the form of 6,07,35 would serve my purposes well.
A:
5,23,56
